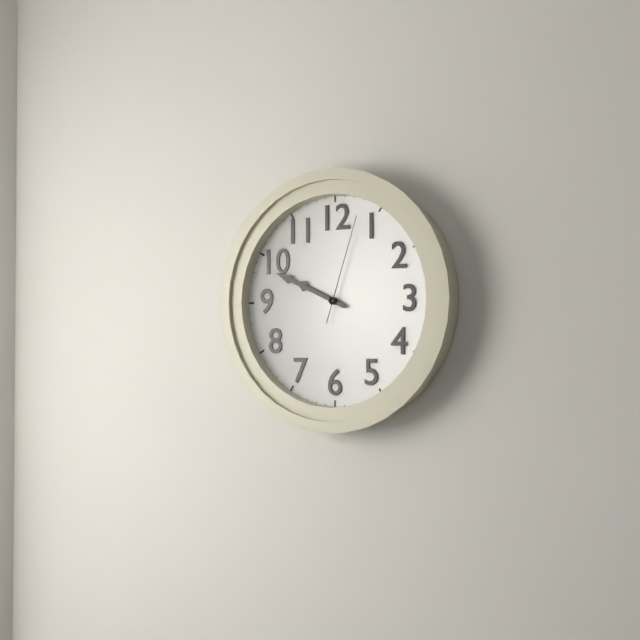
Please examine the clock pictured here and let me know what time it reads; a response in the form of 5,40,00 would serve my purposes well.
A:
9,49,03
